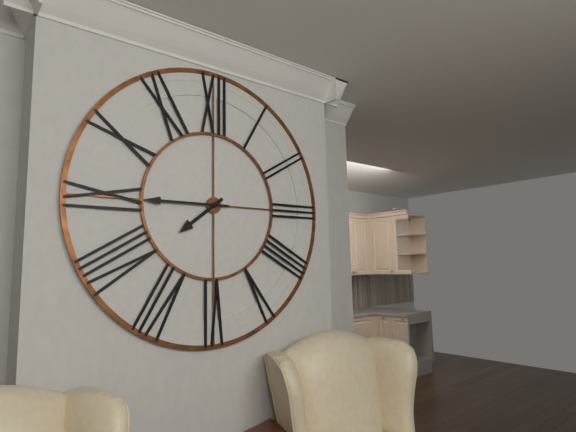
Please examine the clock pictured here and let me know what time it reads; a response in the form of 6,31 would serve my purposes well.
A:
7,45
